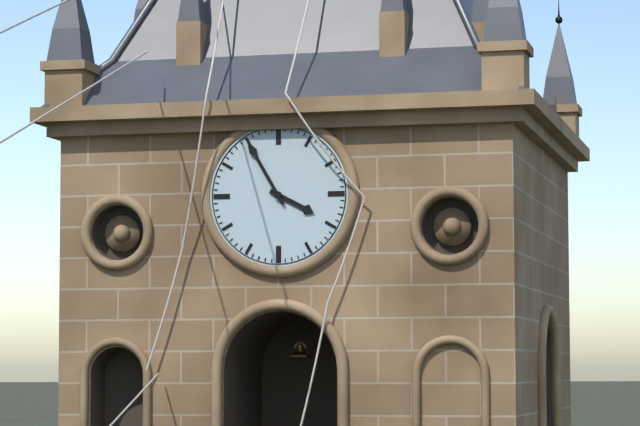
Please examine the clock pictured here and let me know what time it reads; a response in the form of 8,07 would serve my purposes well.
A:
3,55
